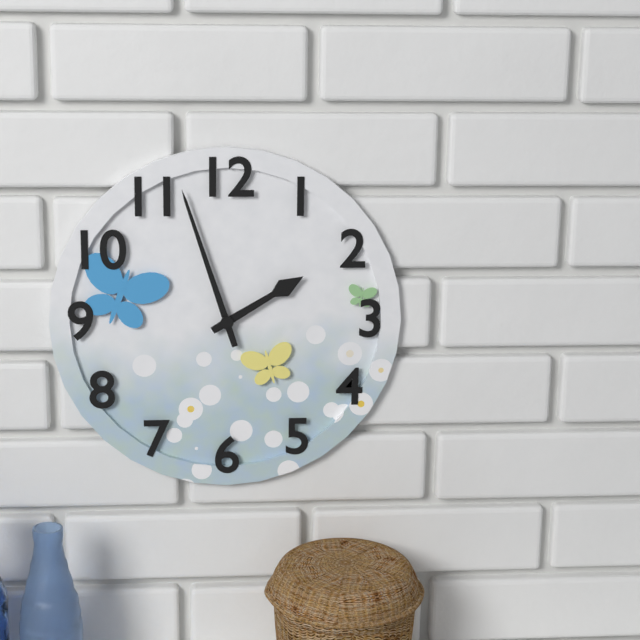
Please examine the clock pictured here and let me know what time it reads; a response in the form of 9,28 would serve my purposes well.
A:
1,57
